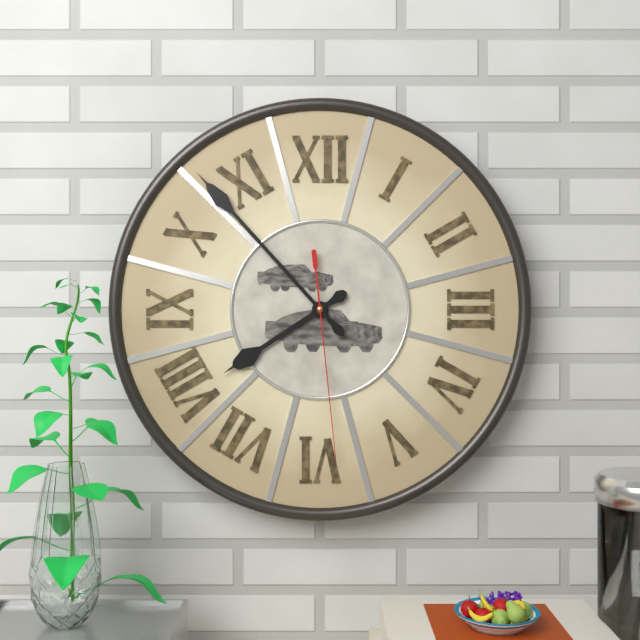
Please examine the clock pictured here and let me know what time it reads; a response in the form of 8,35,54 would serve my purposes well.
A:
7,53,29
